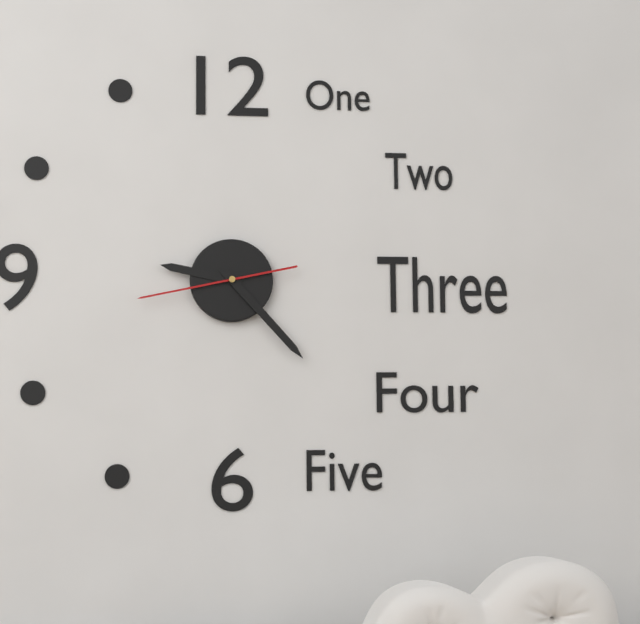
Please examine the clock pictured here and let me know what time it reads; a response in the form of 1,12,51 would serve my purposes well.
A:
9,23,43
